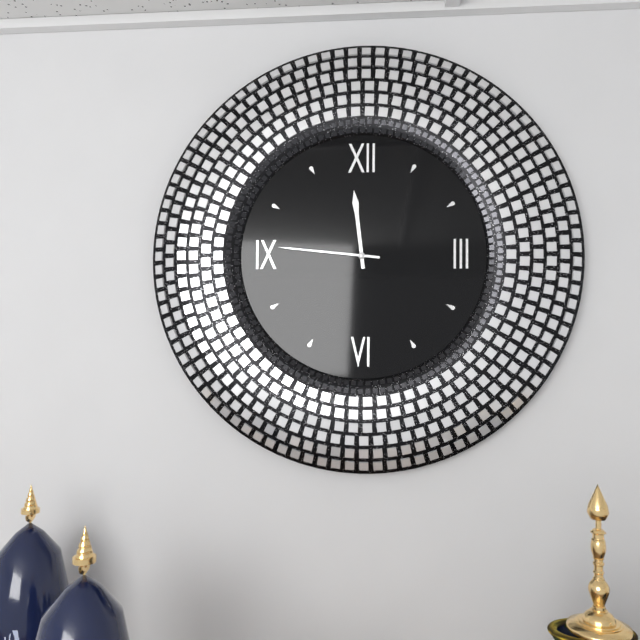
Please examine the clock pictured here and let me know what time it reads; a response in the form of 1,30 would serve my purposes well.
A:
11,46
